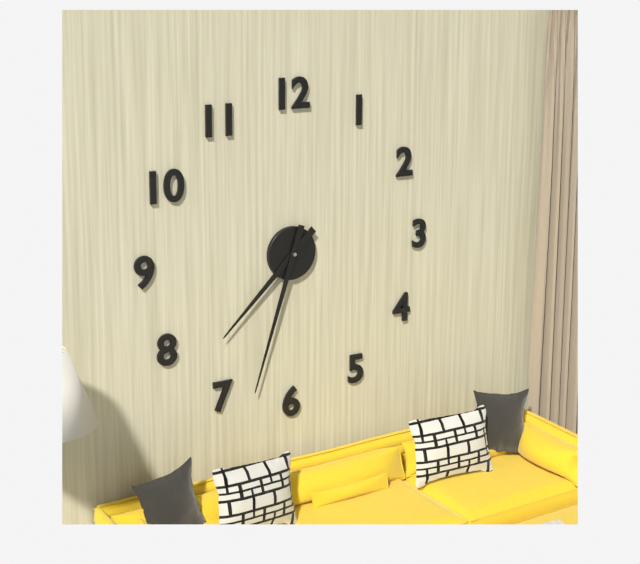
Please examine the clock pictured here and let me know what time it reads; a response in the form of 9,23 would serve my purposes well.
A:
7,33
